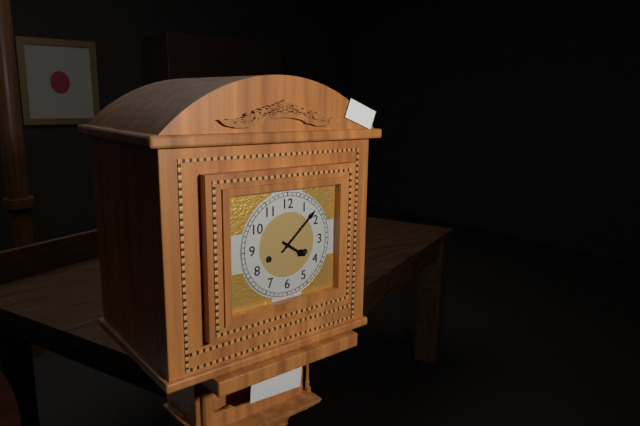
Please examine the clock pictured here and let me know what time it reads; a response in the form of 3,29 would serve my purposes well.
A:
4,08
